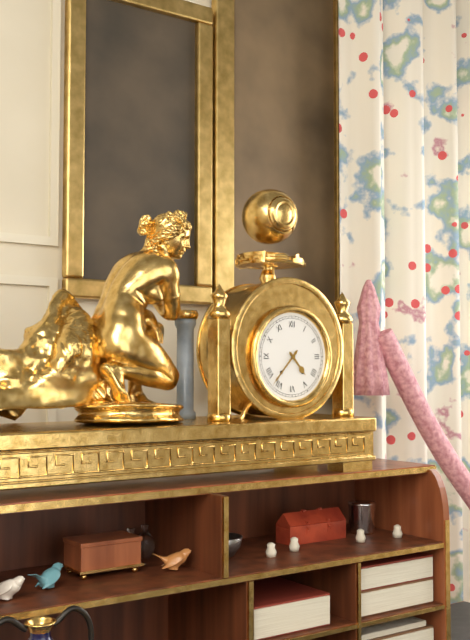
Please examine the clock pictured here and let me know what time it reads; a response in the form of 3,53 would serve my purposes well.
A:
4,37
